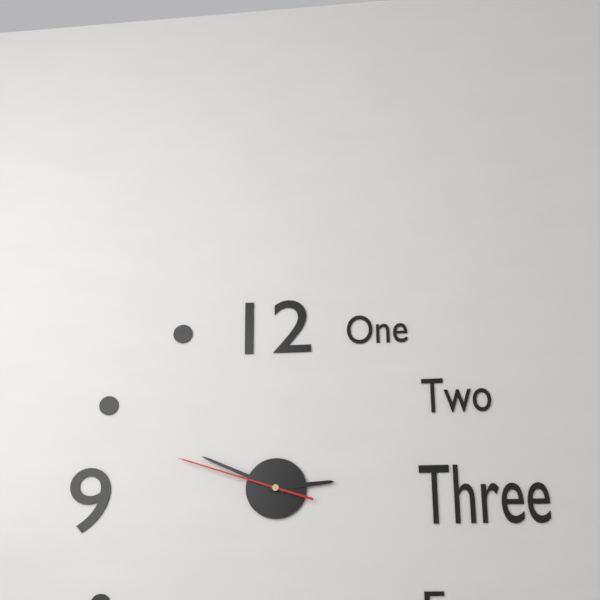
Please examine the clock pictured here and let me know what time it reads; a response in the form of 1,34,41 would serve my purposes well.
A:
2,49,48
